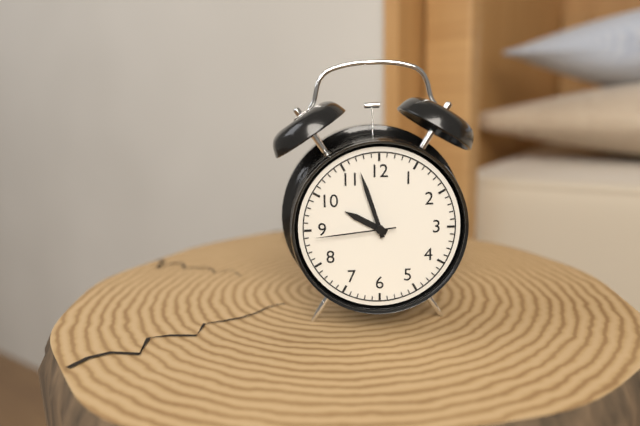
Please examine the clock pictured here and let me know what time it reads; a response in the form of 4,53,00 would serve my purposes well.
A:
9,57,44
